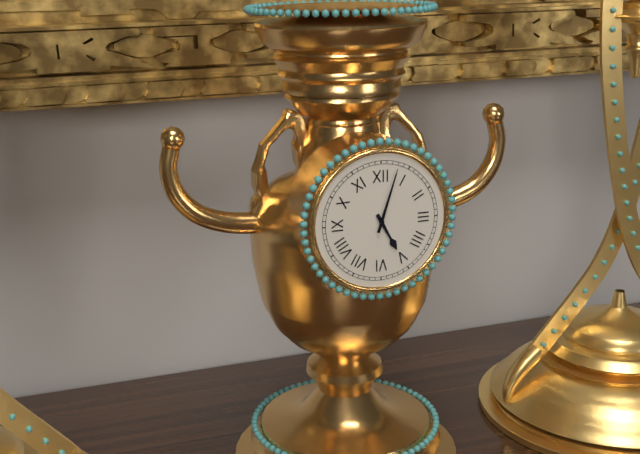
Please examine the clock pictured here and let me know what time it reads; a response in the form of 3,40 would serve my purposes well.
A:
5,03
